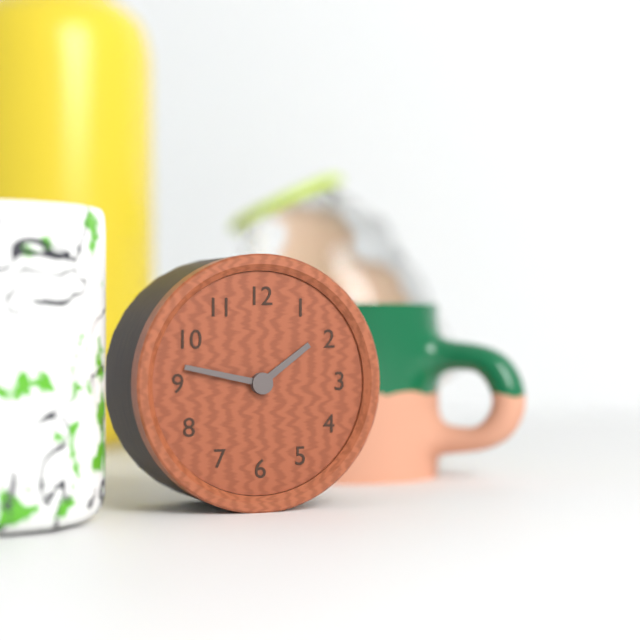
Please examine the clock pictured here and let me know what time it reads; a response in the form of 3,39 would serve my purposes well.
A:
1,47
